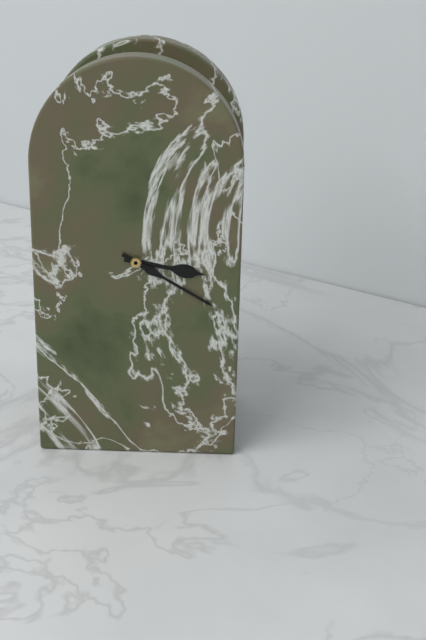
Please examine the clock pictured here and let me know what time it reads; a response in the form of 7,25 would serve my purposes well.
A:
3,20
